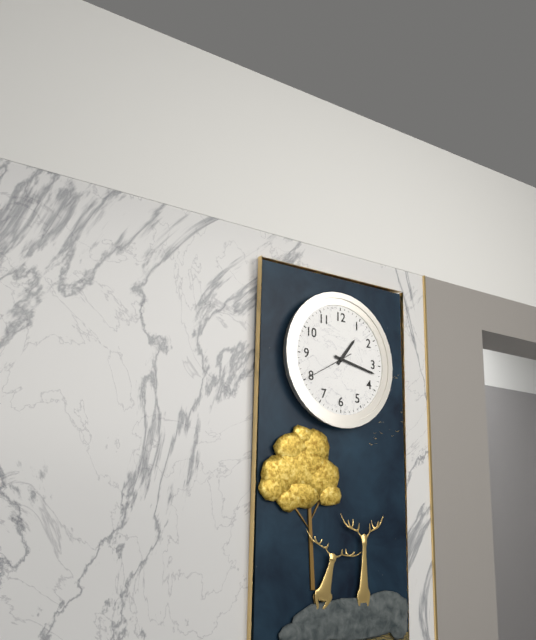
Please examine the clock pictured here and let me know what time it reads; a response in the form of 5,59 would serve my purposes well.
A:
1,17
